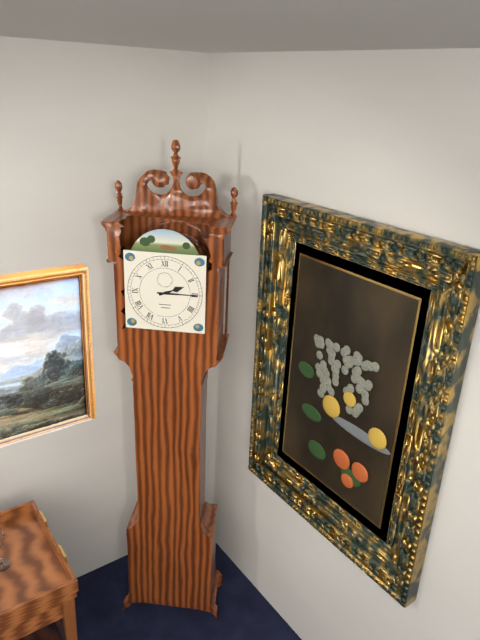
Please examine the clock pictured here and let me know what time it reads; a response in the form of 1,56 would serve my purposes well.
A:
2,15
